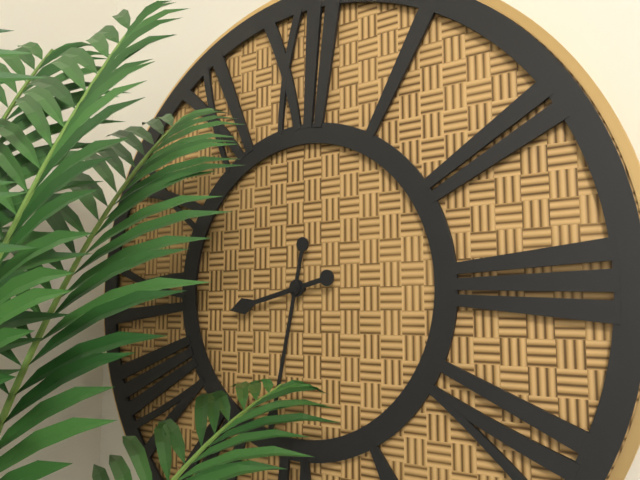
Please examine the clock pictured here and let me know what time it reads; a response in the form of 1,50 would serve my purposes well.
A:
8,32
